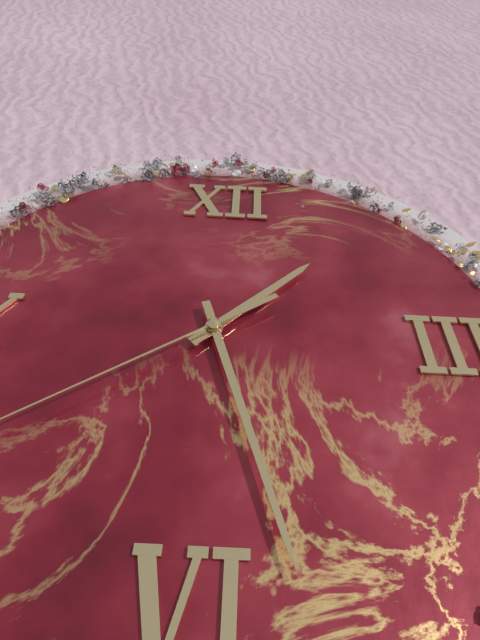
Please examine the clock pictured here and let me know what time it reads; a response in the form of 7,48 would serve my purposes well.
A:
1,27
